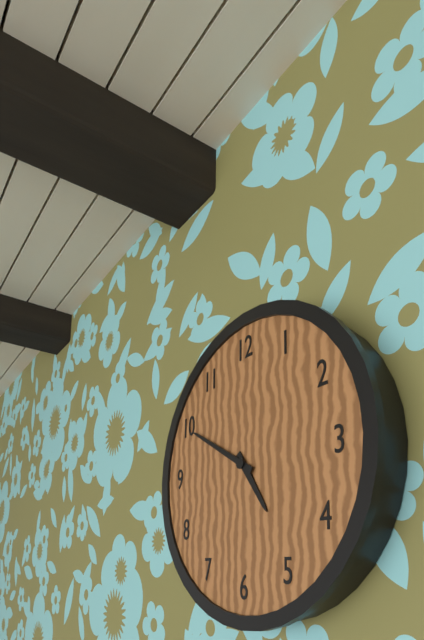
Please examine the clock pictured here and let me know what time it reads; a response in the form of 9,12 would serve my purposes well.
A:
4,50
